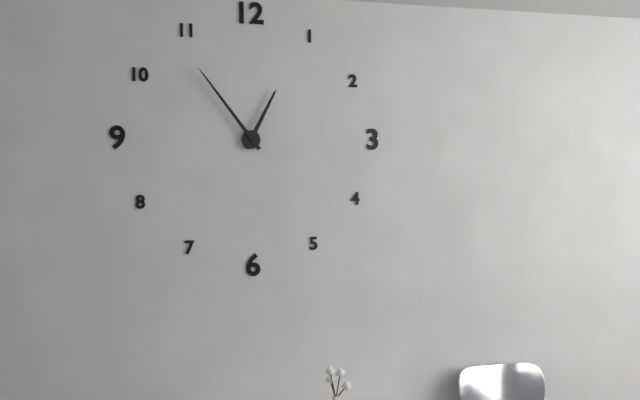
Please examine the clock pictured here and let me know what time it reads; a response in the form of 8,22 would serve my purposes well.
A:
12,54
